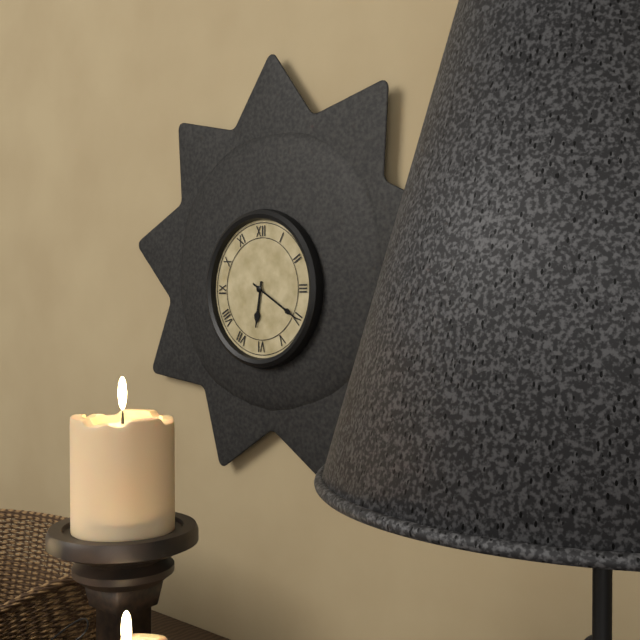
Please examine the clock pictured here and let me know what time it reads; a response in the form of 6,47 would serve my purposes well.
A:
6,20
